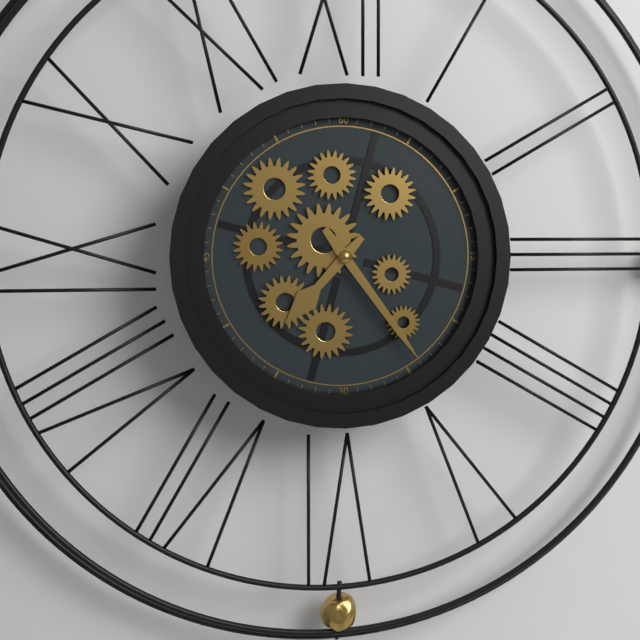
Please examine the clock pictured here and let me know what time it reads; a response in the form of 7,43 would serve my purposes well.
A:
7,24
